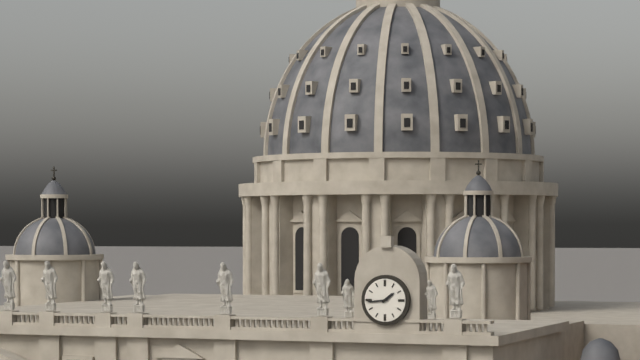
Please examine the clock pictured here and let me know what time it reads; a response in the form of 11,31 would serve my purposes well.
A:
1,44
